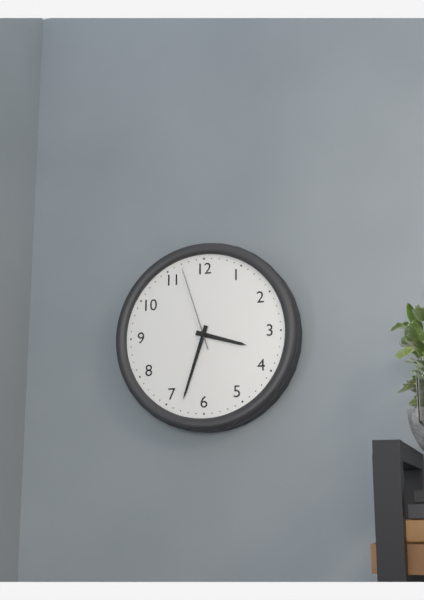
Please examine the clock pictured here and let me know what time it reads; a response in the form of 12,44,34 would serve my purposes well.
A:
3,33,57
